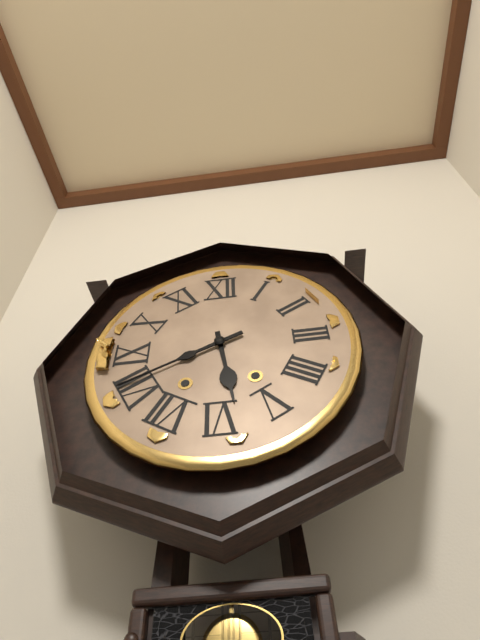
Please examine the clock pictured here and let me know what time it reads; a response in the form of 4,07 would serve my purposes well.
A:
5,41
